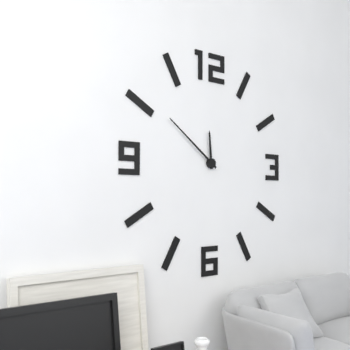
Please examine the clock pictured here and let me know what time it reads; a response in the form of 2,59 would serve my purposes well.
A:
11,51
